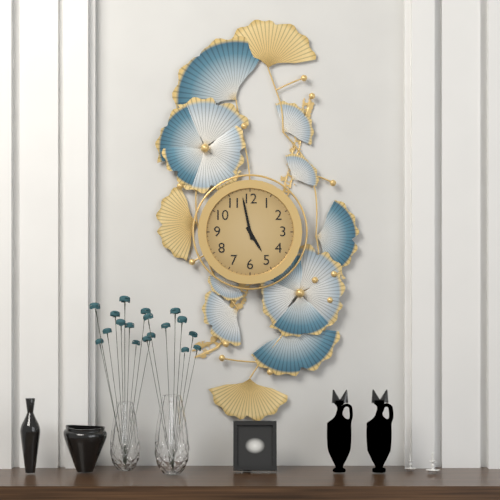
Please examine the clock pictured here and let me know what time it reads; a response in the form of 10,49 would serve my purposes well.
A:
4,58
